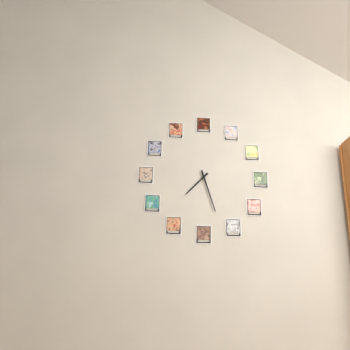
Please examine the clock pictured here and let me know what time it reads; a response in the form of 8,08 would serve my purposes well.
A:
7,27
